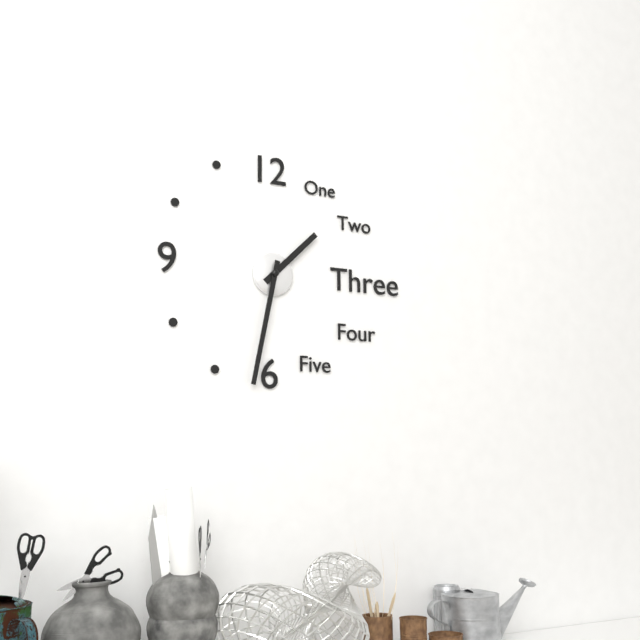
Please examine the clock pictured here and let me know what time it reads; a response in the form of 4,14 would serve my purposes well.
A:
1,32
